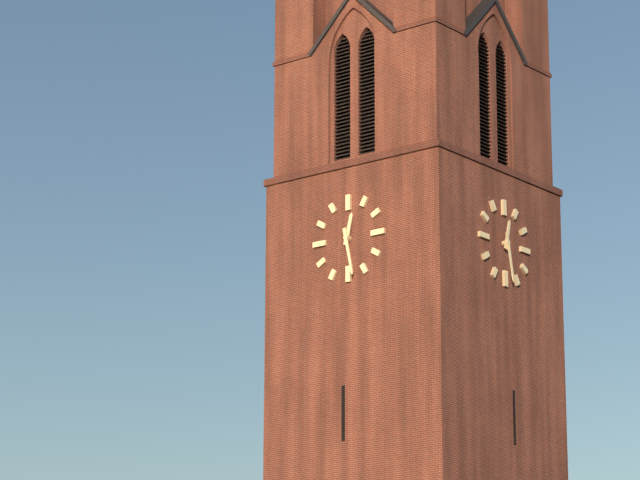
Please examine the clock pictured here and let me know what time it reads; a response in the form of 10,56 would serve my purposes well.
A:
12,28
